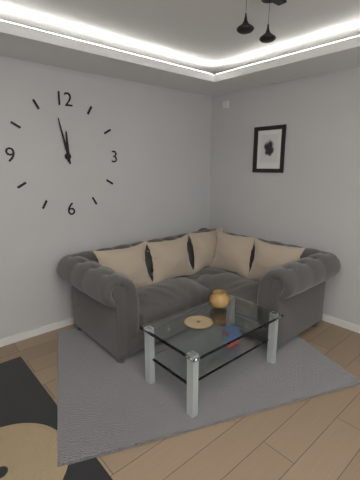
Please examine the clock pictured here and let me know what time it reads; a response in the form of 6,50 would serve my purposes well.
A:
11,58
